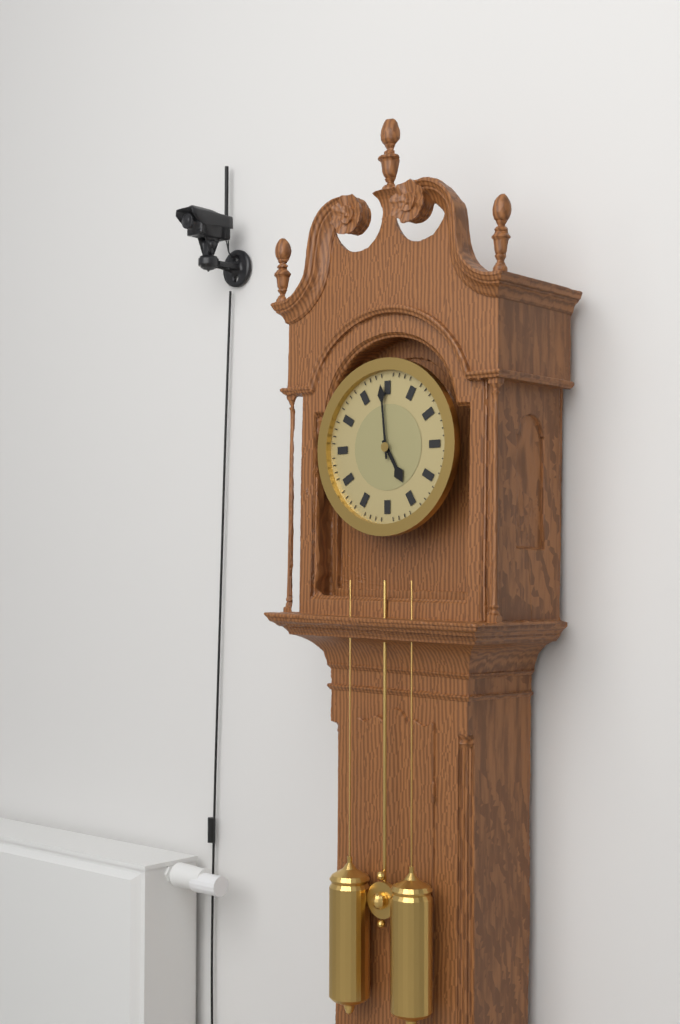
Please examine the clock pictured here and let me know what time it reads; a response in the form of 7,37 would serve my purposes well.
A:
4,59
